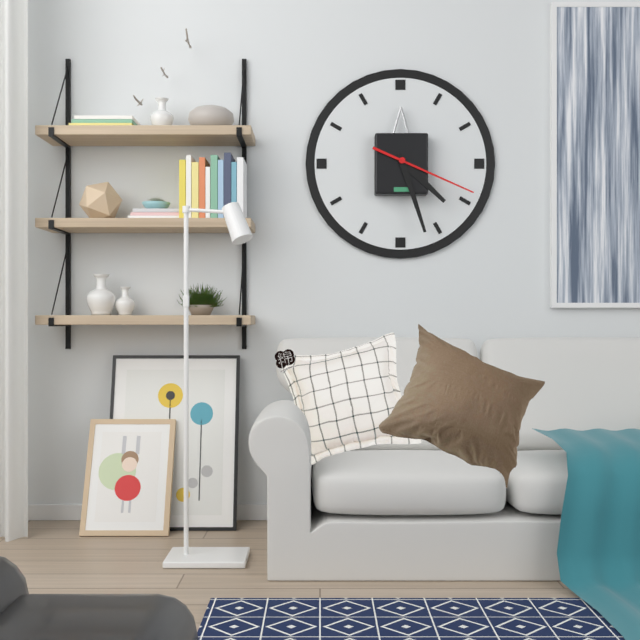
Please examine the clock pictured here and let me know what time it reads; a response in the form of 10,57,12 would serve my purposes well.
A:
4,27,19
